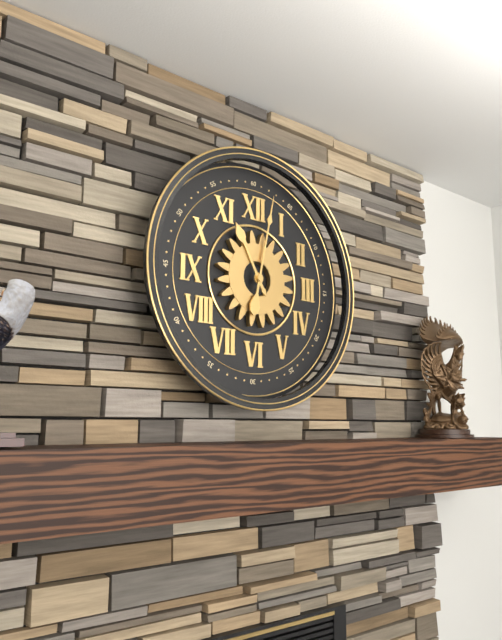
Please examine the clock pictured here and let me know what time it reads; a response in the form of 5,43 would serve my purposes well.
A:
11,02
